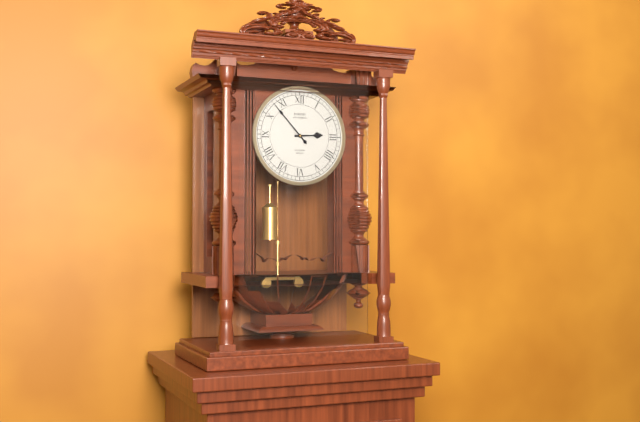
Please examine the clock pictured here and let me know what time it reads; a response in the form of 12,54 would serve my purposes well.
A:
2,53
